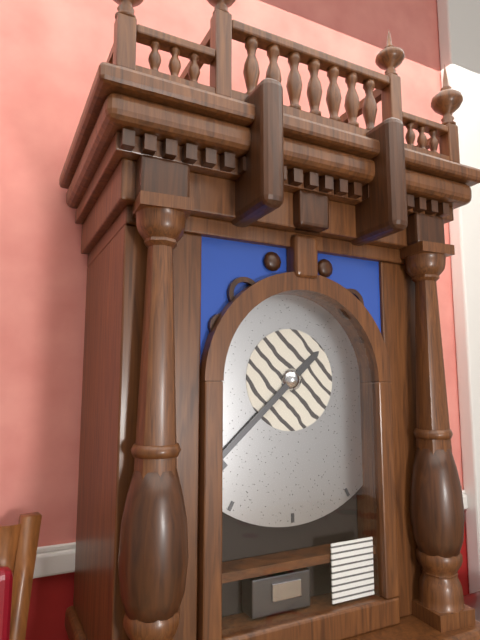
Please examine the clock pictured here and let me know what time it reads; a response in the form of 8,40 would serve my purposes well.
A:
1,38
